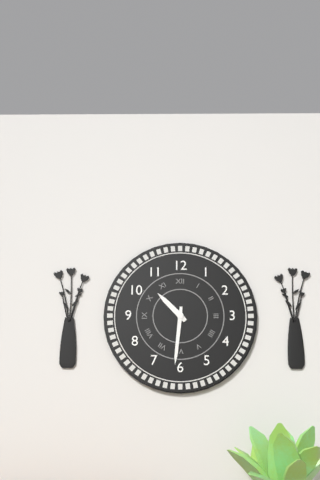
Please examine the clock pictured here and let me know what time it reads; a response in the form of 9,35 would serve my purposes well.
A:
10,31
